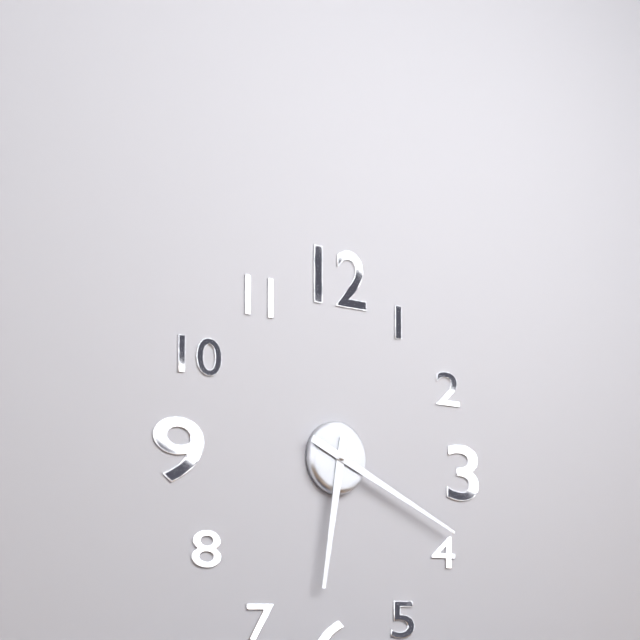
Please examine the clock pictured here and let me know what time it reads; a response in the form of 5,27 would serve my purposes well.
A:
6,19
